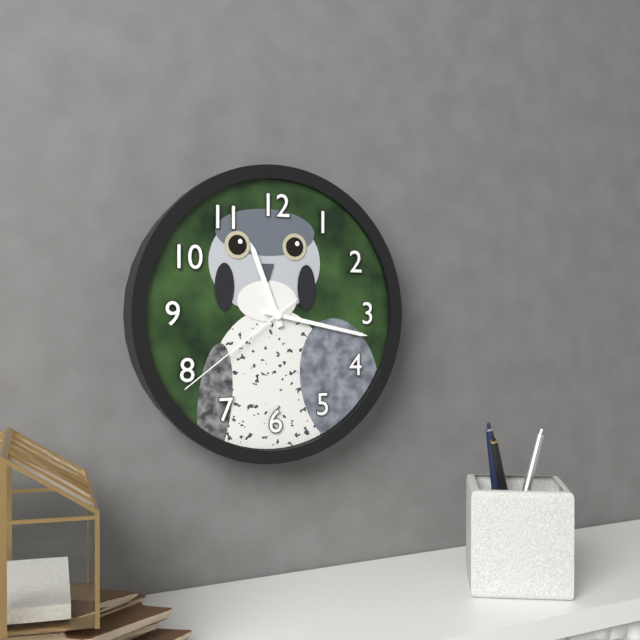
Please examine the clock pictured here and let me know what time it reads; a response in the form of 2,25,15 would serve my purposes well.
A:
11,17,39
